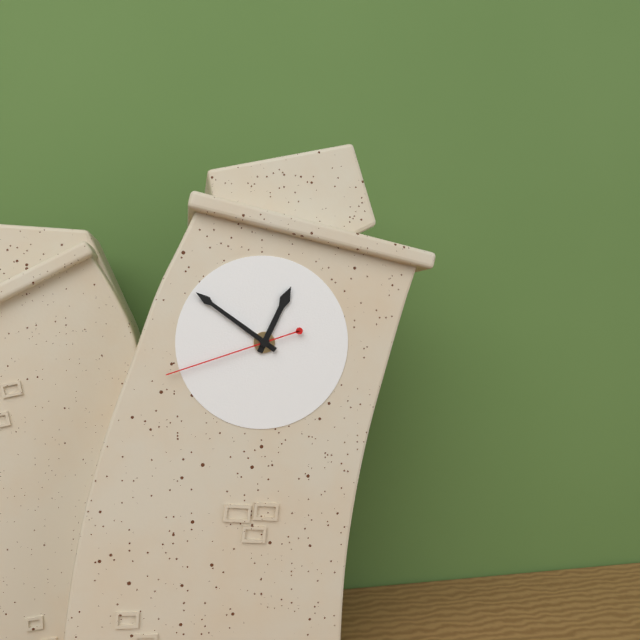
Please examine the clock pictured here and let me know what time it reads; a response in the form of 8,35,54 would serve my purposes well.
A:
12,51,42
